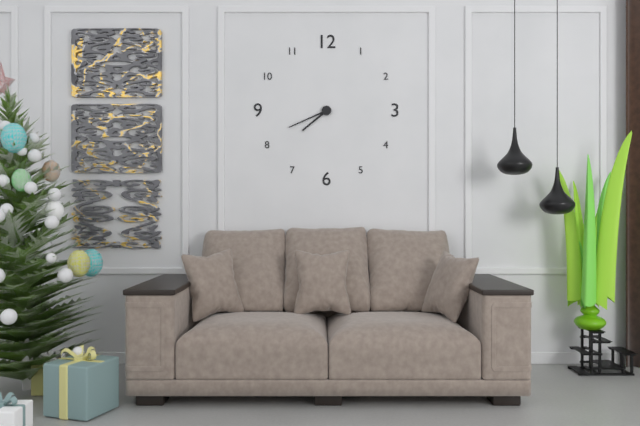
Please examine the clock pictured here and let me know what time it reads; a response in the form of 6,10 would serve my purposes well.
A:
7,41
